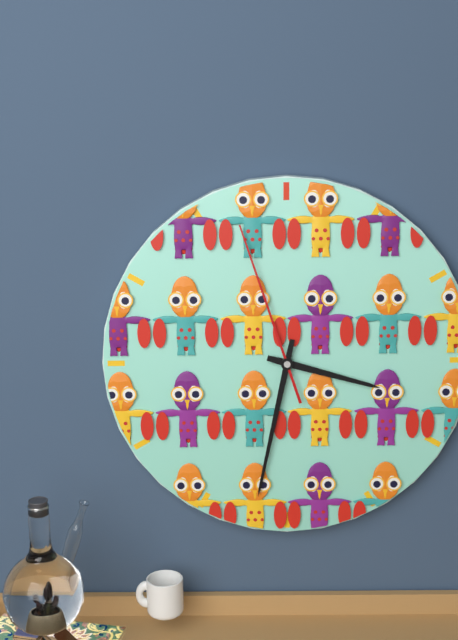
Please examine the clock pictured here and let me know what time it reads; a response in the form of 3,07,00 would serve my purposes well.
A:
3,32,57
